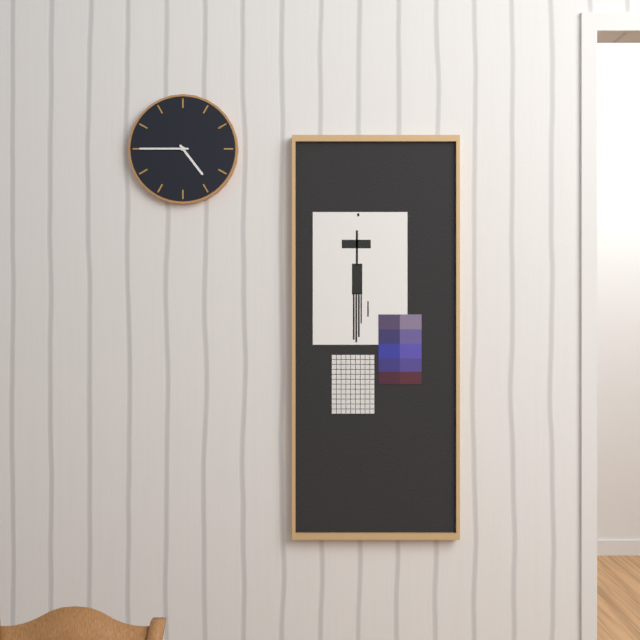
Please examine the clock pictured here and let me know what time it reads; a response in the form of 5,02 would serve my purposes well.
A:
4,45
